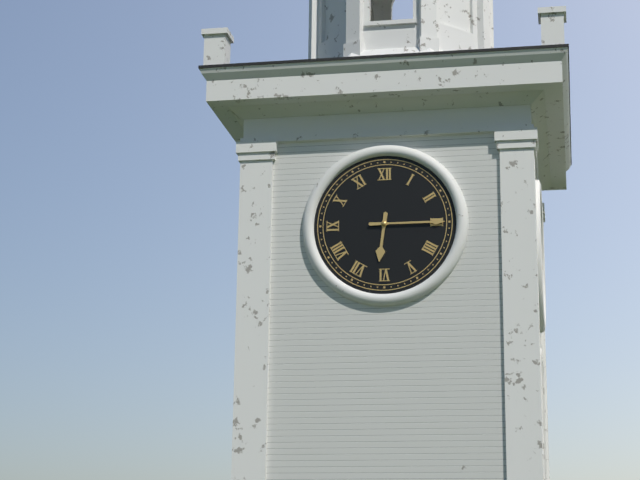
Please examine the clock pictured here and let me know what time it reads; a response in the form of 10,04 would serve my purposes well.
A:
6,15
